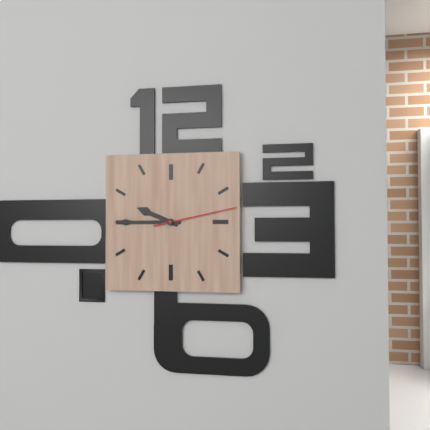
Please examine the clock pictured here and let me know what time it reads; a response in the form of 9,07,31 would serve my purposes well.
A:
9,45,13
